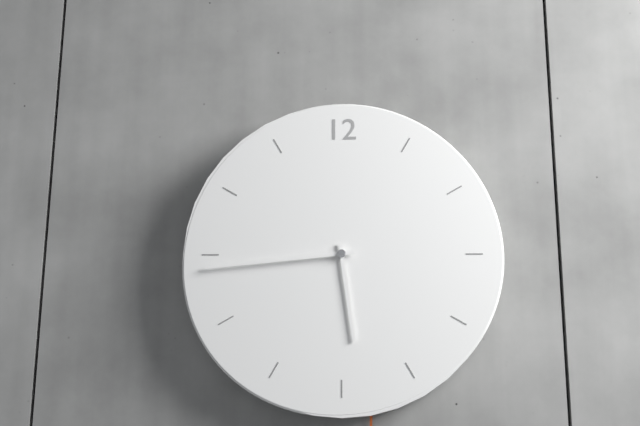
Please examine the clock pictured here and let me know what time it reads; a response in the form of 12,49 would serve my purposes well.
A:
5,44
